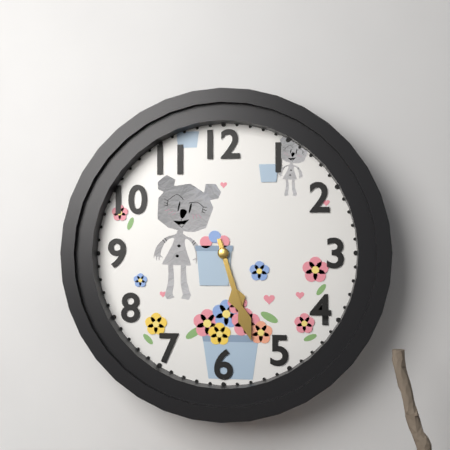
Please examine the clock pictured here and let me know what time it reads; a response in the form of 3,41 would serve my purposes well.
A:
5,27
